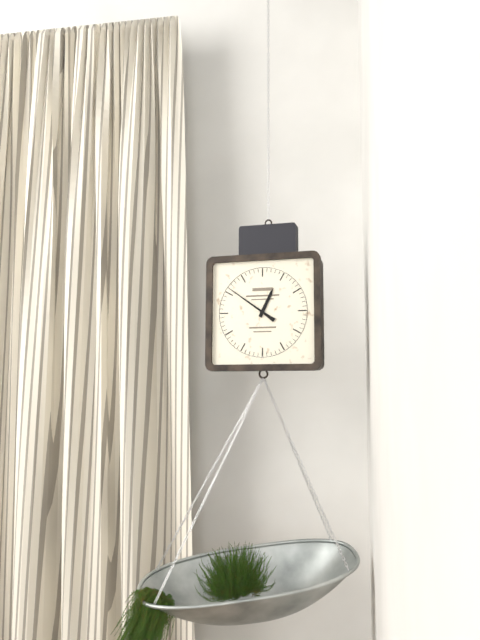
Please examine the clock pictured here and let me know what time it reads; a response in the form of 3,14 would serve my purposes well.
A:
12,51
